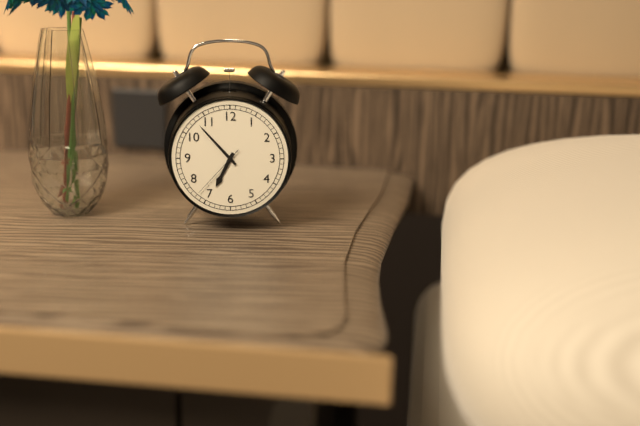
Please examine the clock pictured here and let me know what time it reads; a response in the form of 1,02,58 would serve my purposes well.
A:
6,53,37
